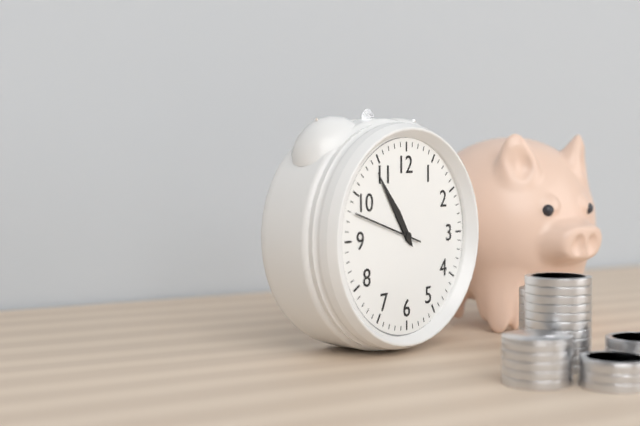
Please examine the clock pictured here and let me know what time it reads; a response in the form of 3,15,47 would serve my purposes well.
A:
10,54,48
